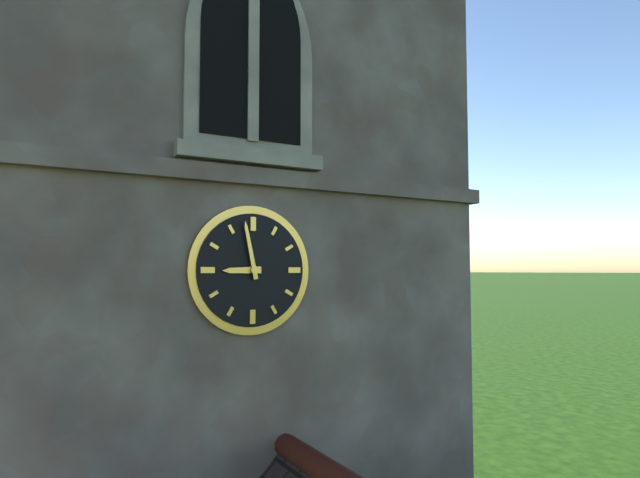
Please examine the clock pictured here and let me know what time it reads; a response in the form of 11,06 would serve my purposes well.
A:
8,58
